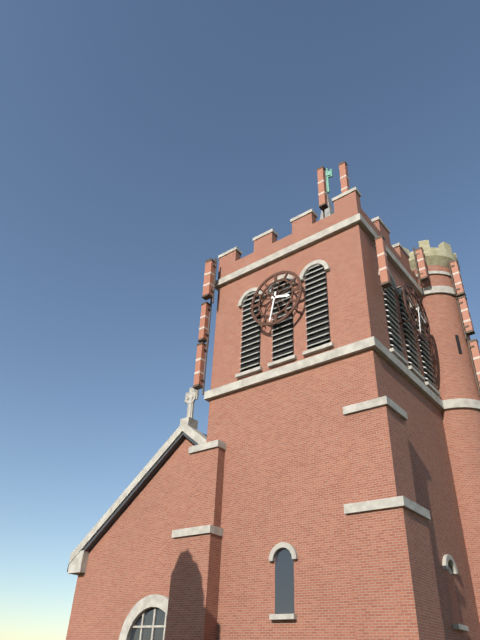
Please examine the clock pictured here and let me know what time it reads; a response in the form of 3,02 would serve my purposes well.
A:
3,32
